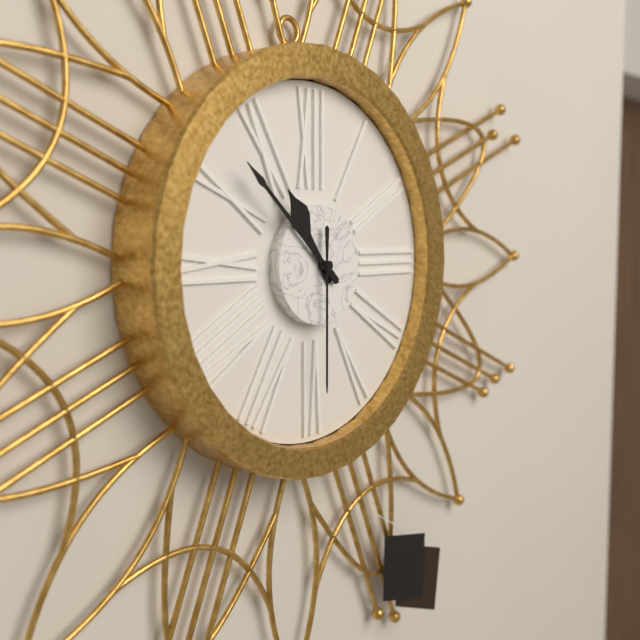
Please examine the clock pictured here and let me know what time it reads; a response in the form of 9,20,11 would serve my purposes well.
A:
10,52,30
